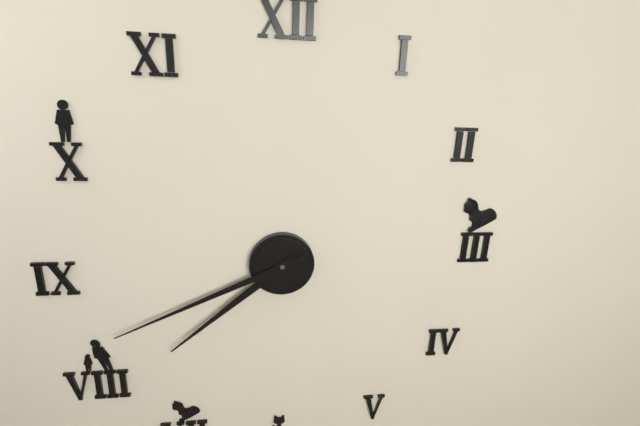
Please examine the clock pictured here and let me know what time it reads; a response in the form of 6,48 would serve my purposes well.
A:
7,41
